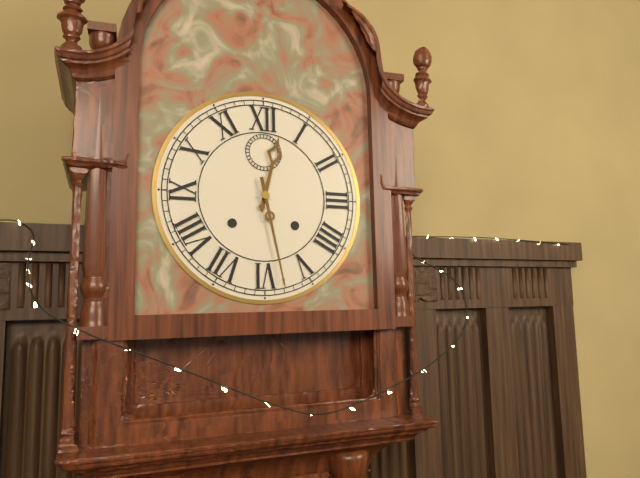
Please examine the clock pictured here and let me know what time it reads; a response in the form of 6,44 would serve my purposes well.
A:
12,28
